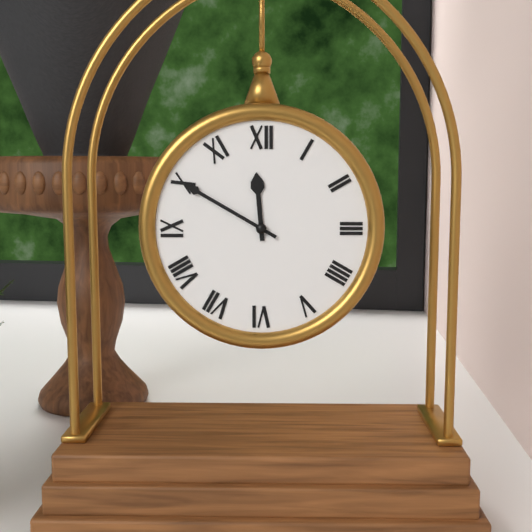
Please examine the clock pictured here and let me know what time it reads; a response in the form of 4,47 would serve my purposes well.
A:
11,50
